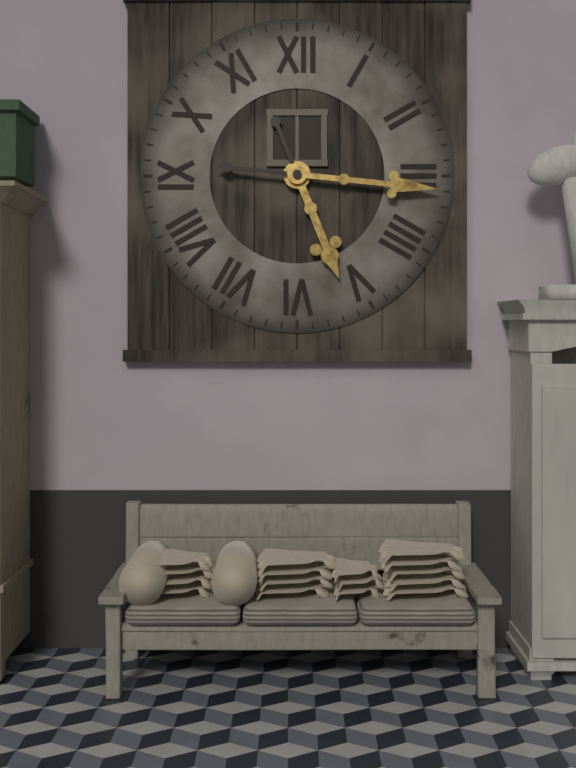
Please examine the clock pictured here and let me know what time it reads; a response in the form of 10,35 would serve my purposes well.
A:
5,16
